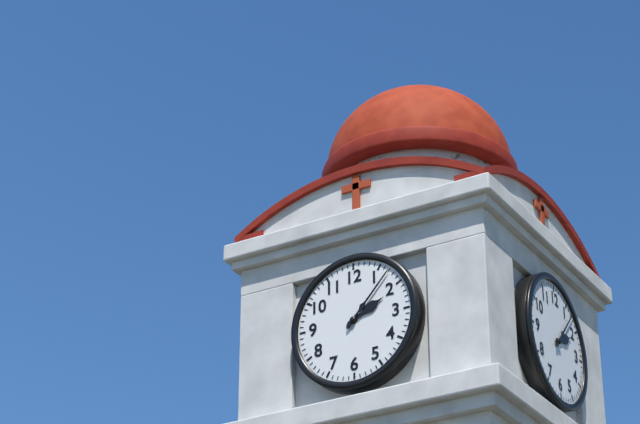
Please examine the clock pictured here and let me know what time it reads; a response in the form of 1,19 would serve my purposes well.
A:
2,07
